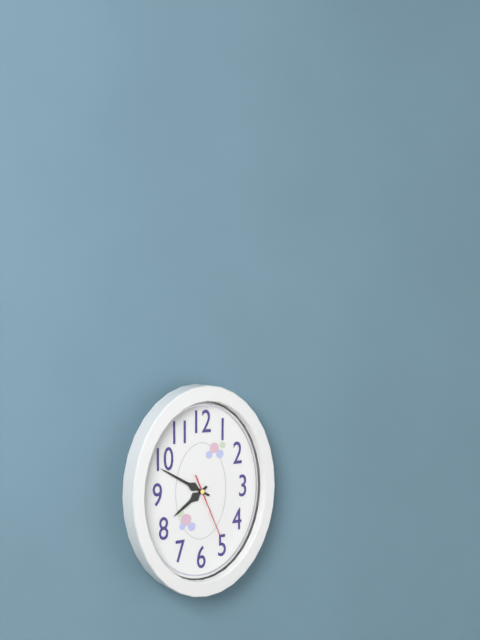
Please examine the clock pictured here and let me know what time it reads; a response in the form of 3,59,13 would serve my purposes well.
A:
7,50,26
